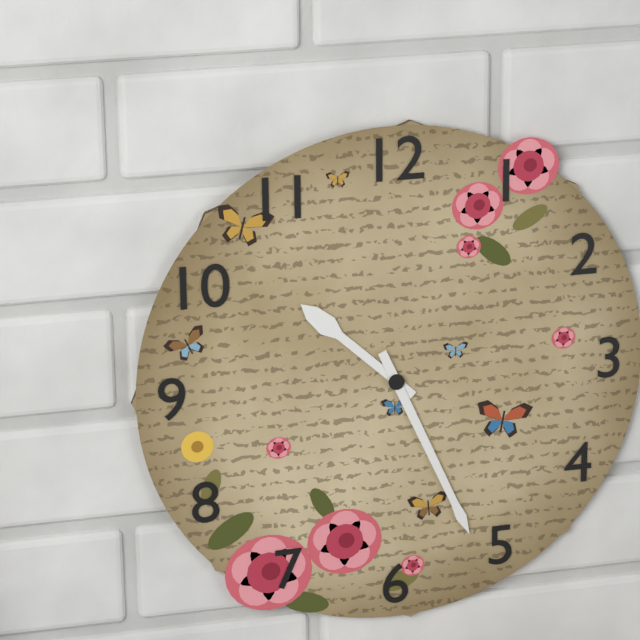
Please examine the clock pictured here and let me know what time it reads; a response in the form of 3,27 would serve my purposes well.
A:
10,26
